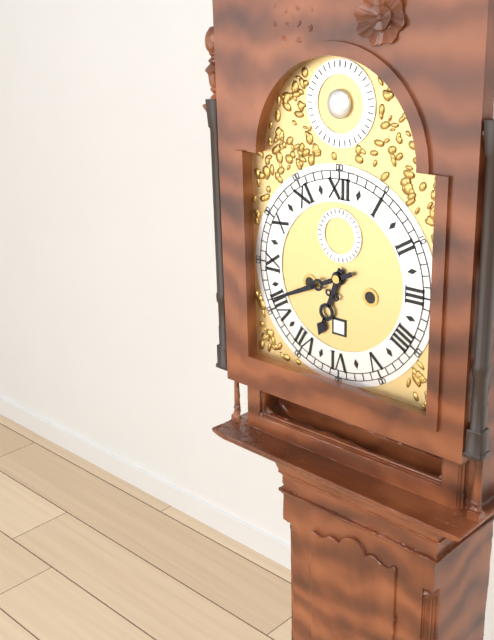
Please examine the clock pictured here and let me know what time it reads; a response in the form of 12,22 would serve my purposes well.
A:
6,41
